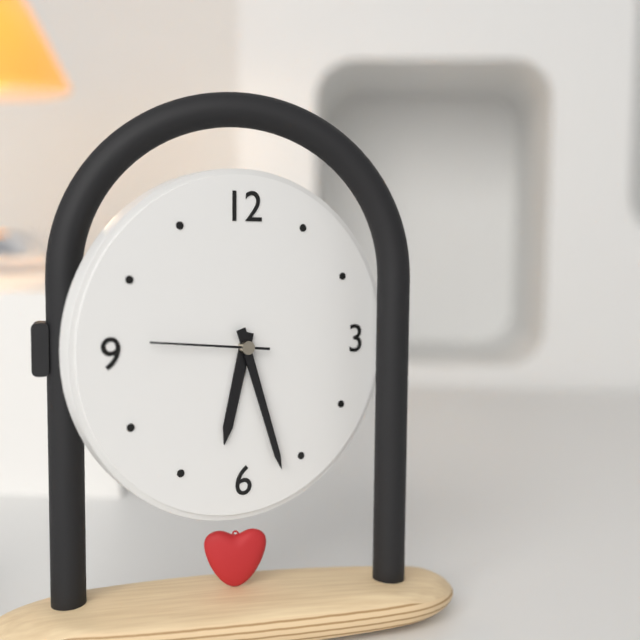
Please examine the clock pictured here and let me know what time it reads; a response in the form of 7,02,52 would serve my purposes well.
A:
6,27,46
